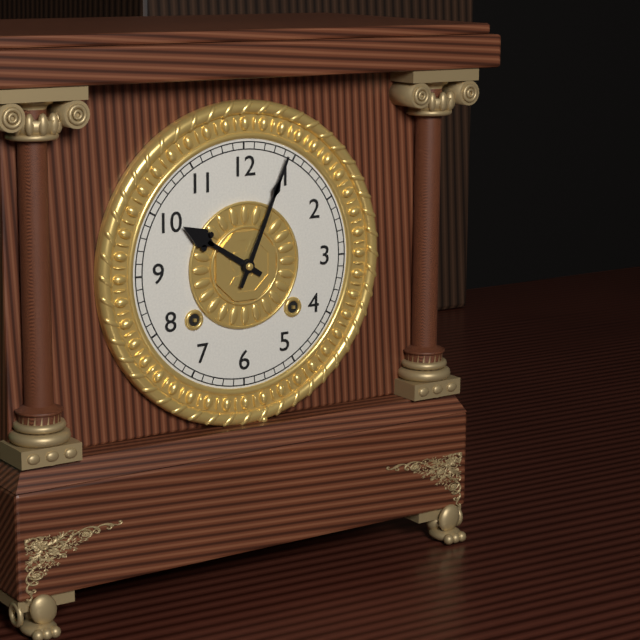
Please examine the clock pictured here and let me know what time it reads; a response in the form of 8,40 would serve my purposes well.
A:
10,04
